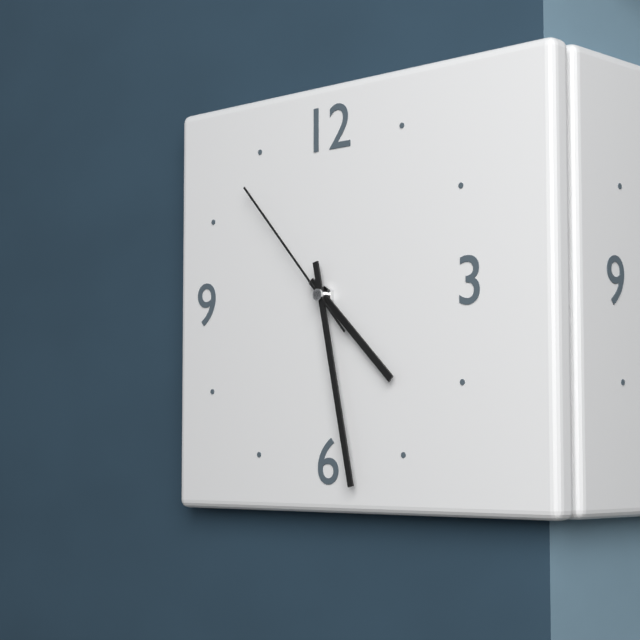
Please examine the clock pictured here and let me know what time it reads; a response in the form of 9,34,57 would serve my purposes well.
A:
4,28,53
